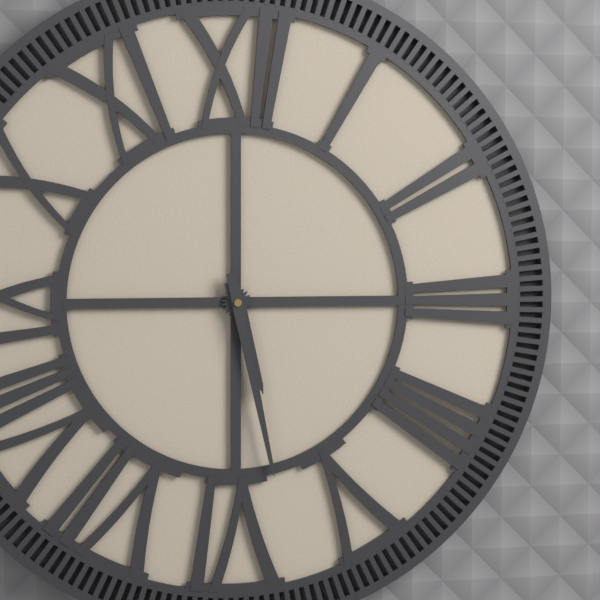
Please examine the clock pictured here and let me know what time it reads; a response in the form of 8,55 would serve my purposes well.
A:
5,28
